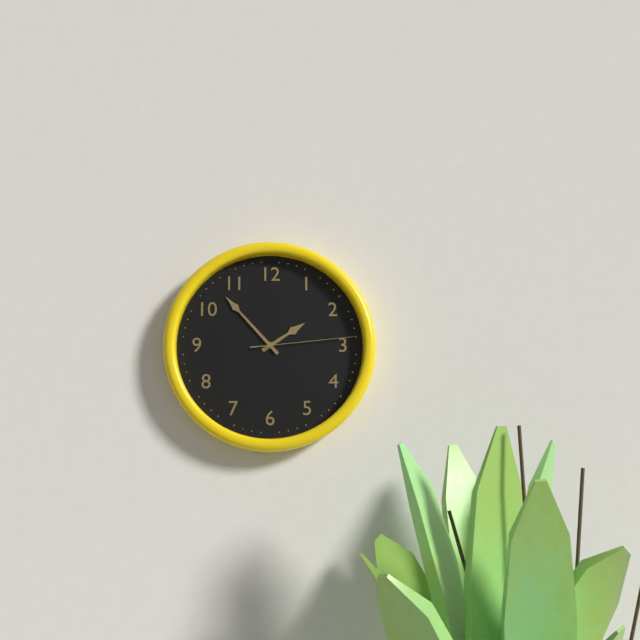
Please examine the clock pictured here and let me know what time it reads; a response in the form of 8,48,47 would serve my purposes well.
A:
1,53,14
